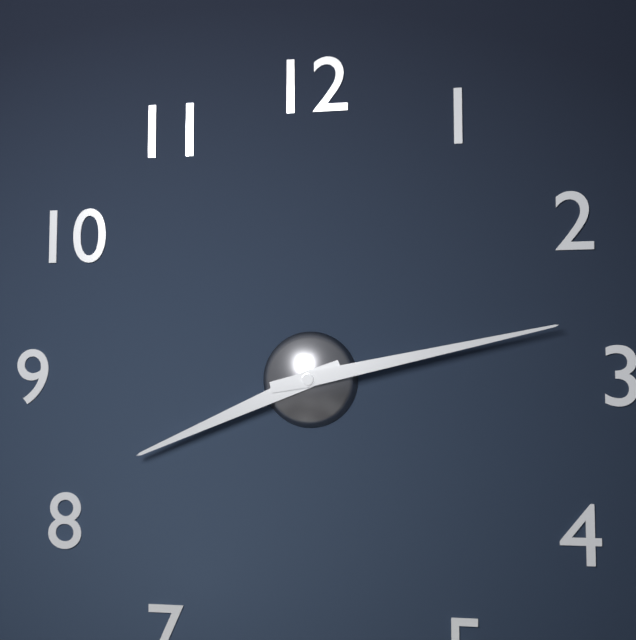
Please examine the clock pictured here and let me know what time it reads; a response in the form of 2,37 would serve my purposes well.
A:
8,13
